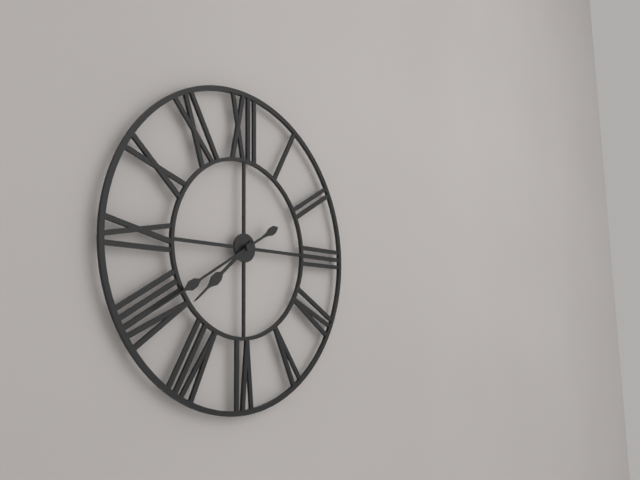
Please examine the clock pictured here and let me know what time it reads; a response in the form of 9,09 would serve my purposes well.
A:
7,40
